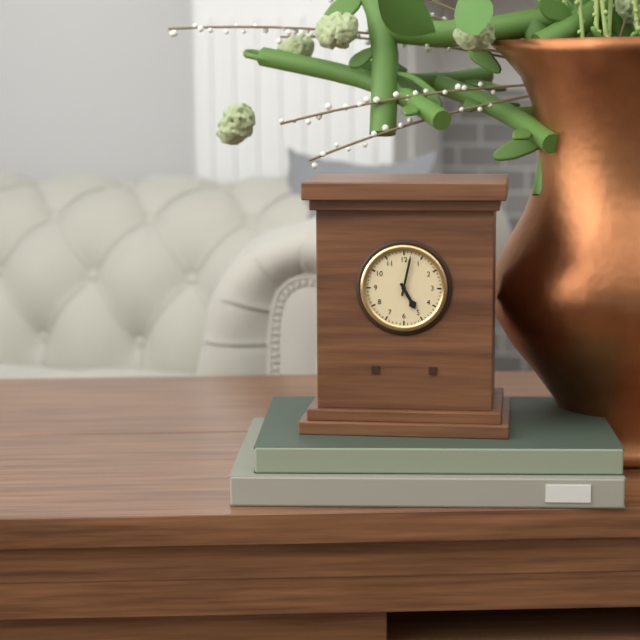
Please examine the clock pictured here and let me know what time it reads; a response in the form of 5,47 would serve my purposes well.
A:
5,02
